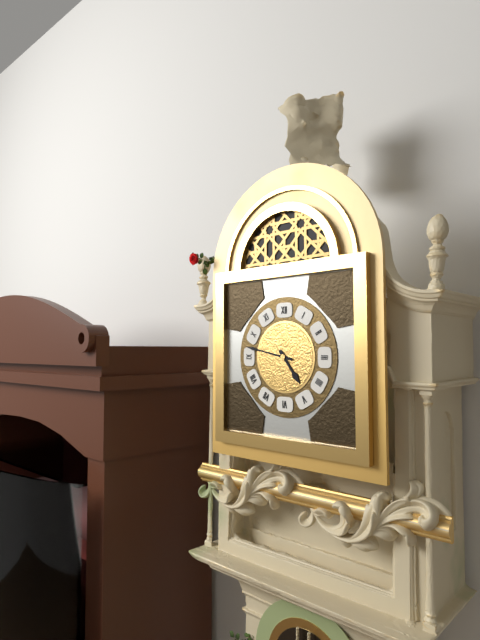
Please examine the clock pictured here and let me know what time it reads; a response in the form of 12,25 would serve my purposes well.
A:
4,47
